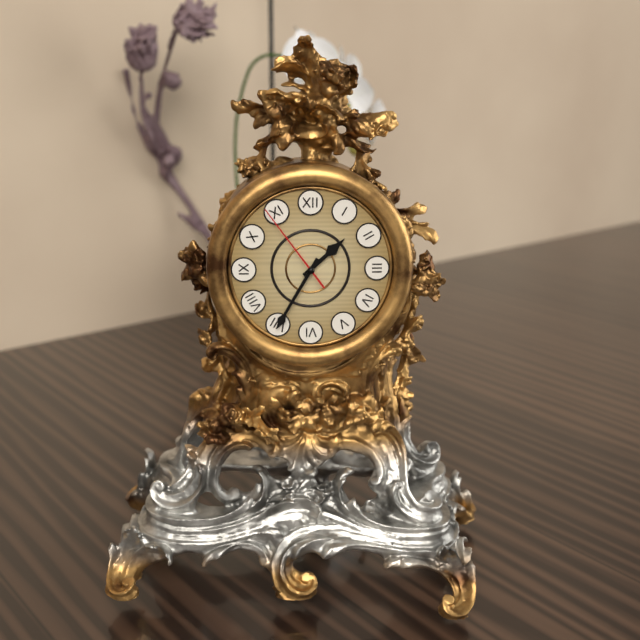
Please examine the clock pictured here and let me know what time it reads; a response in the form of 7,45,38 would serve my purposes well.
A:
1,35,54
